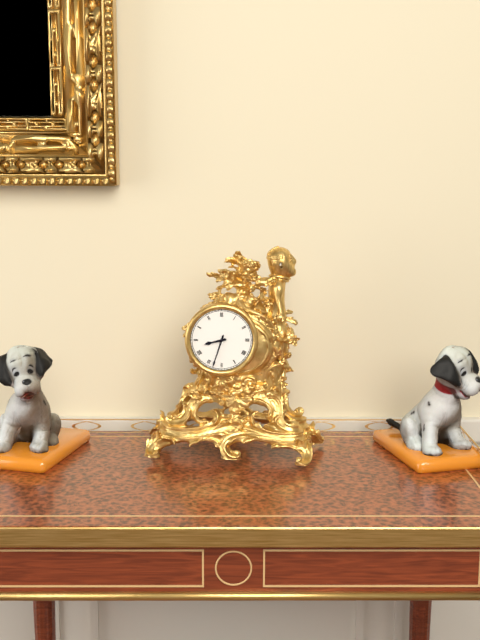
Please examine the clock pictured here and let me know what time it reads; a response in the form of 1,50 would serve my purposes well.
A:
8,33
